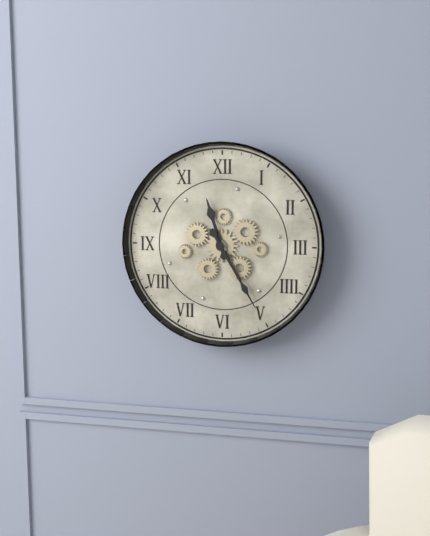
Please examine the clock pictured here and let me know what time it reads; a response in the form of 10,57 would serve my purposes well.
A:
11,25
